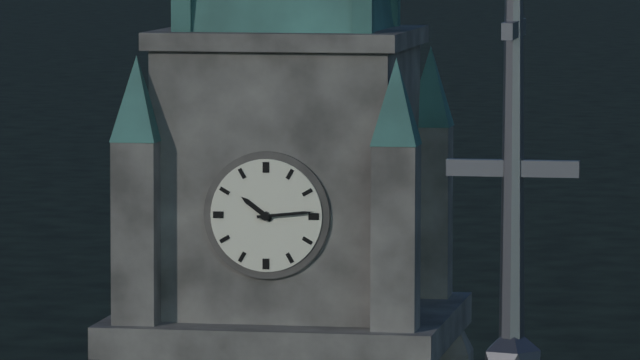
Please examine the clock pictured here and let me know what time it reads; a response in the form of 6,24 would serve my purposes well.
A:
10,14
